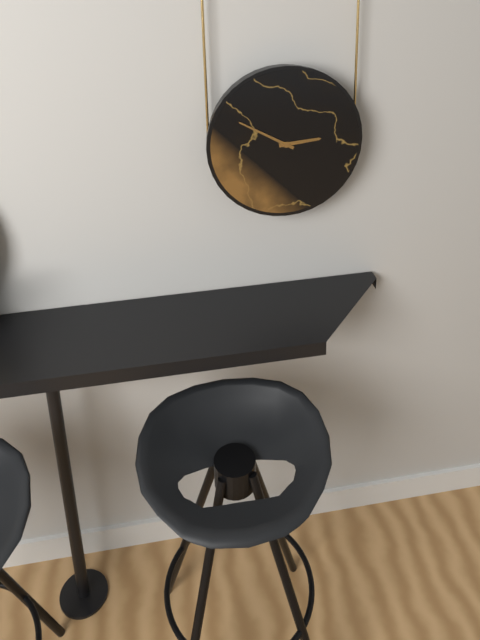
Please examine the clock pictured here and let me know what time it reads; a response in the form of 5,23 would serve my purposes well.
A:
2,50
